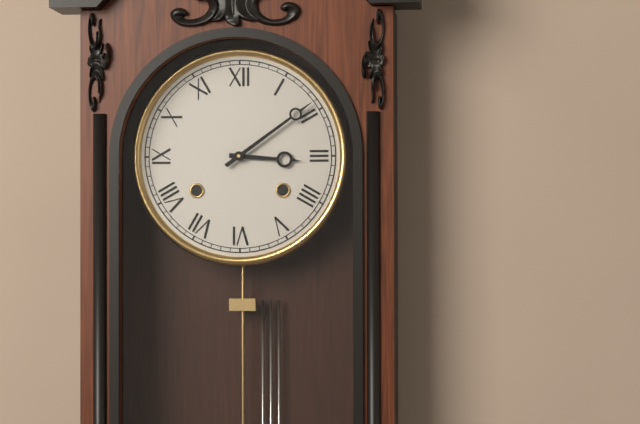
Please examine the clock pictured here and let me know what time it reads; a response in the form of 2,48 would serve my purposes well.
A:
3,09
